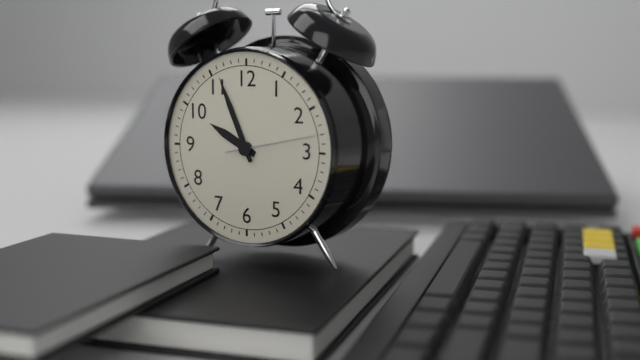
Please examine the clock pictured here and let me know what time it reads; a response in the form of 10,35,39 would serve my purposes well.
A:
9,56,13
